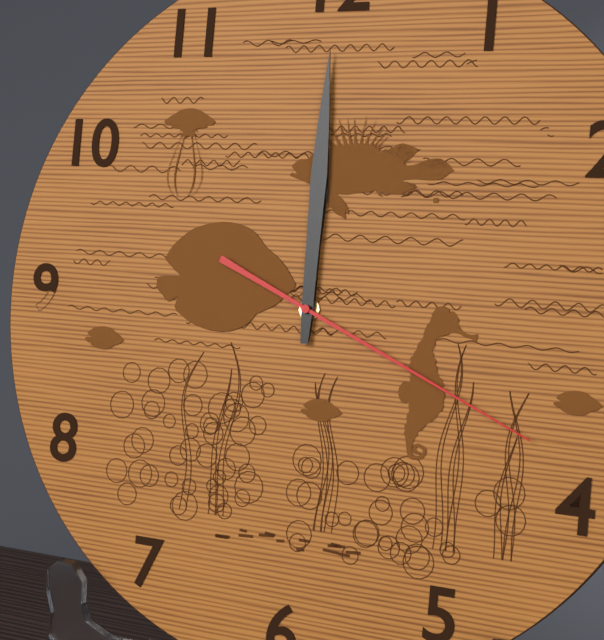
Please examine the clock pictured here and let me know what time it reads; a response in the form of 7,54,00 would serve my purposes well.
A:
12,00,19
